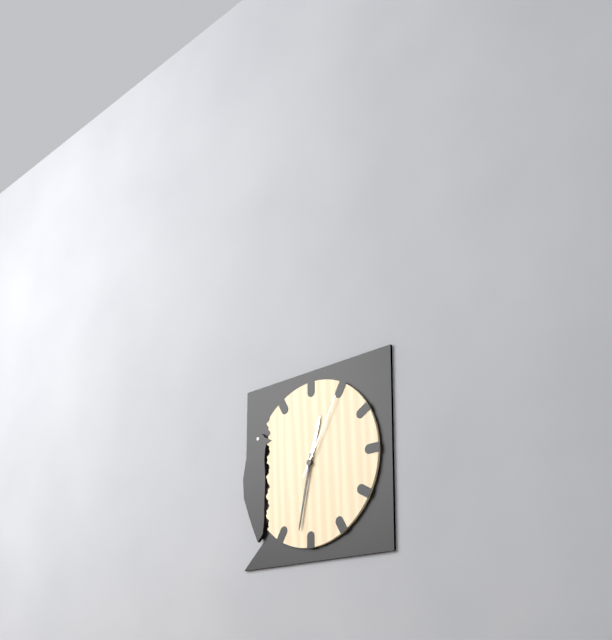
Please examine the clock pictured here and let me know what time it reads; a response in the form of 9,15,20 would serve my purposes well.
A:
12,32,05
